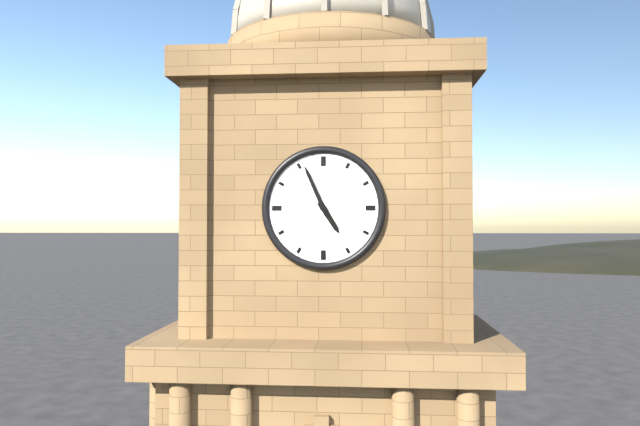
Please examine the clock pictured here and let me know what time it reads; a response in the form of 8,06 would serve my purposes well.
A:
4,56
